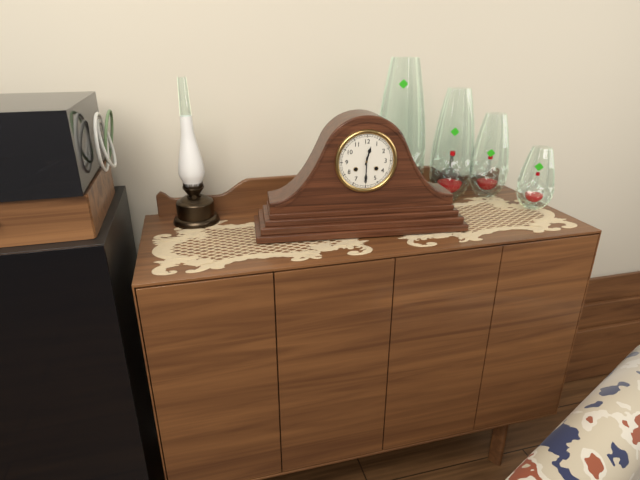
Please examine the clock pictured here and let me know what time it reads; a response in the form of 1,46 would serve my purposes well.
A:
12,30
